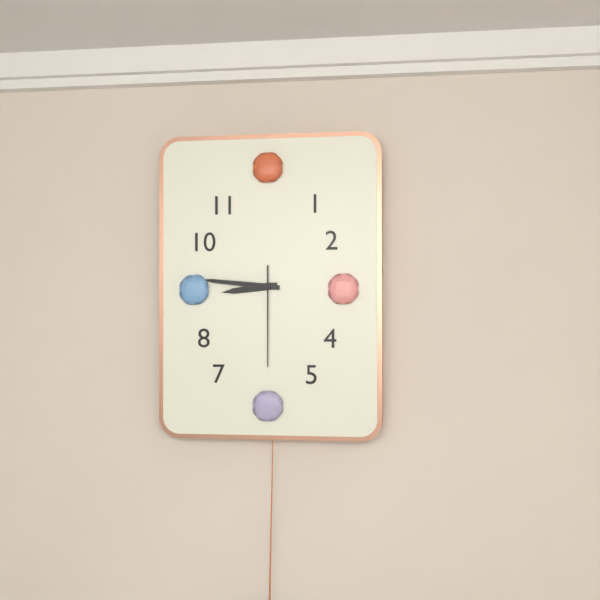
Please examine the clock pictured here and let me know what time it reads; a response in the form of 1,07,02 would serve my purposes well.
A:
8,46,30
